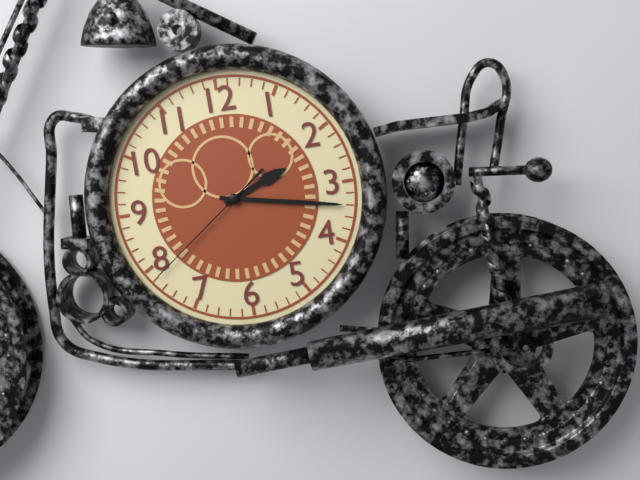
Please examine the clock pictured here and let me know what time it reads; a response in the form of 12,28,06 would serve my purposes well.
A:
2,17,39
